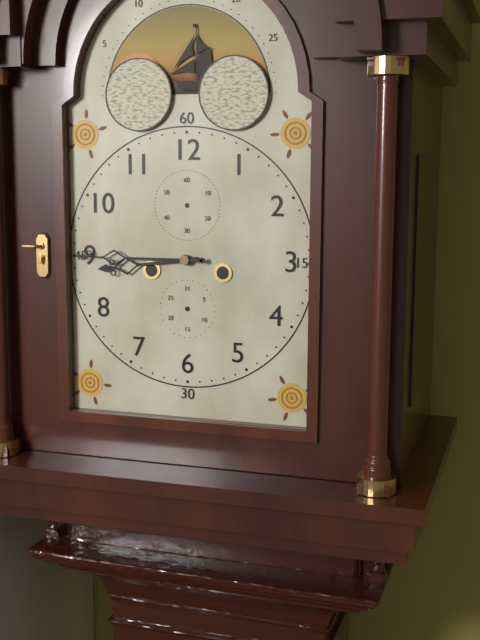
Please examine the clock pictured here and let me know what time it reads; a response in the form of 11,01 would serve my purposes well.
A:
8,45
